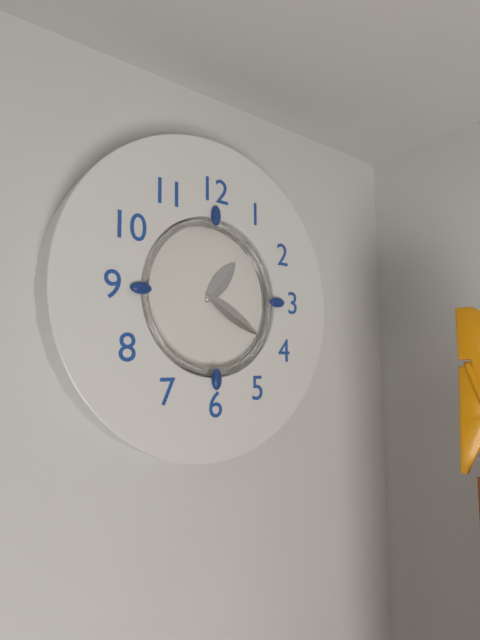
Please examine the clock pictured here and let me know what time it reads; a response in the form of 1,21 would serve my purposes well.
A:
1,20
